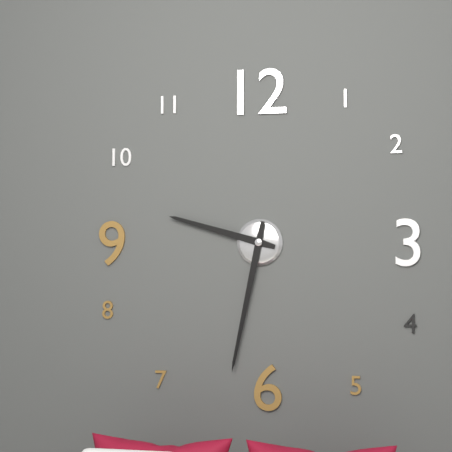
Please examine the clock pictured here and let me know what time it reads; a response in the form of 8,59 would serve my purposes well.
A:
9,32
